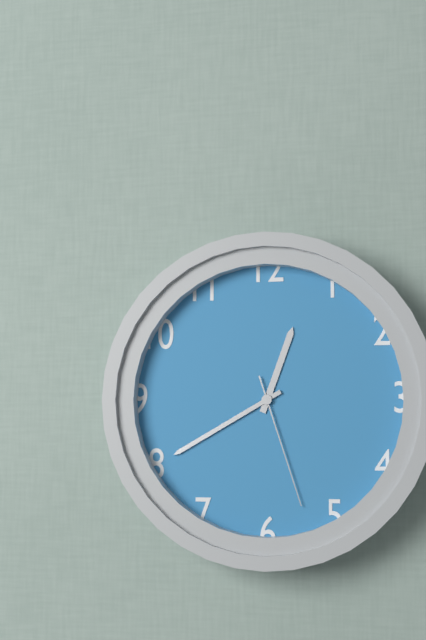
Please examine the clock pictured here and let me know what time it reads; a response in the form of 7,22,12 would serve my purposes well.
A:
12,40,27
